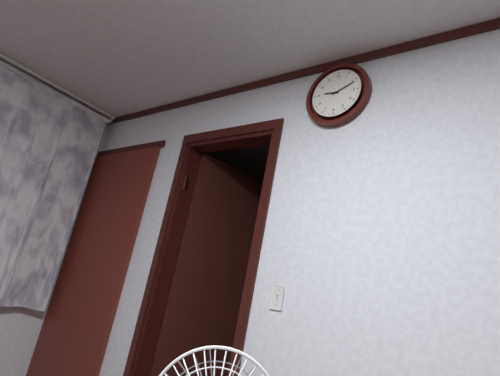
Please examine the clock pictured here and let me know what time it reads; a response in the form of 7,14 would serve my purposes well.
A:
9,11
